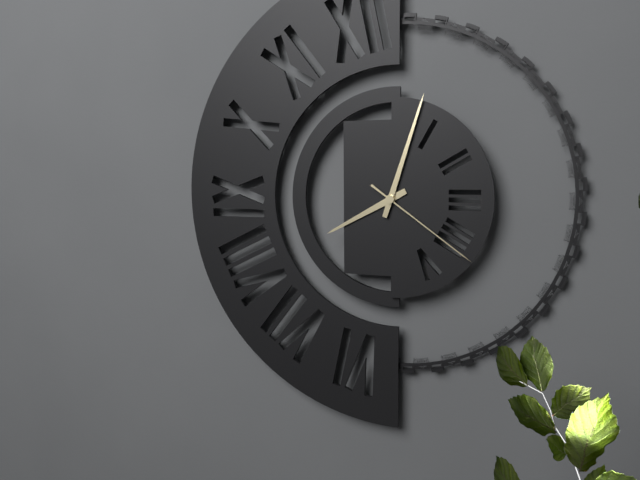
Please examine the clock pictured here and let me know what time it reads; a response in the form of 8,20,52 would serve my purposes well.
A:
8,03,21
